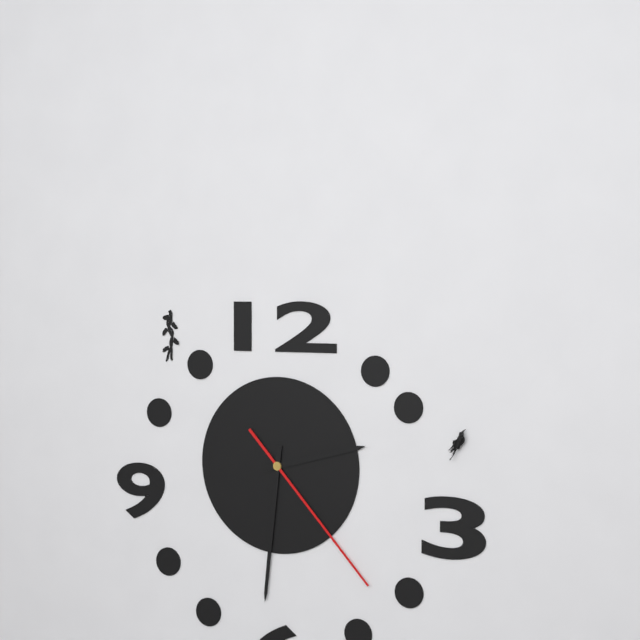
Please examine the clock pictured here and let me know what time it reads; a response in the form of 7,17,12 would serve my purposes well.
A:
2,31,23
